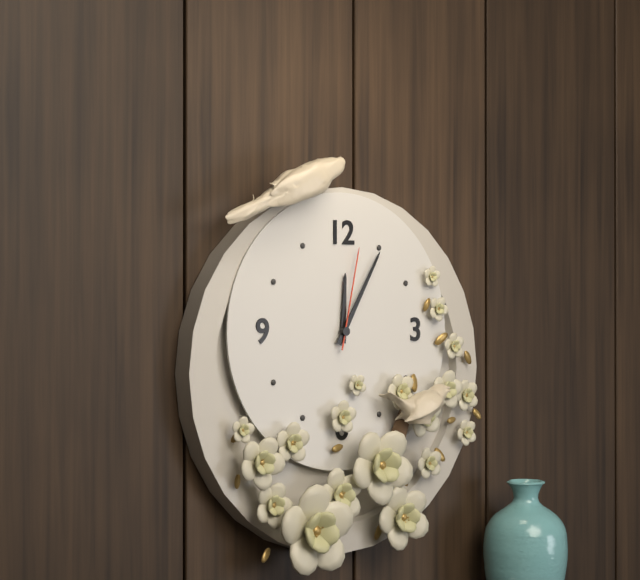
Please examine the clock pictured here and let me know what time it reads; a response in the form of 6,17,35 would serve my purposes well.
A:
12,05,02
